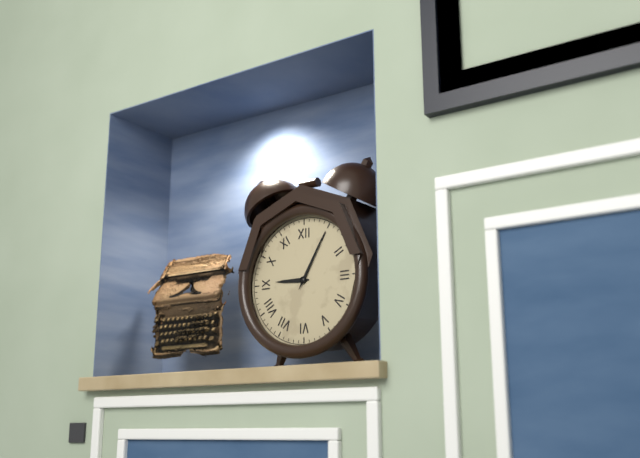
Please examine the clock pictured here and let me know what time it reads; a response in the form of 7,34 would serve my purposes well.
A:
9,05
